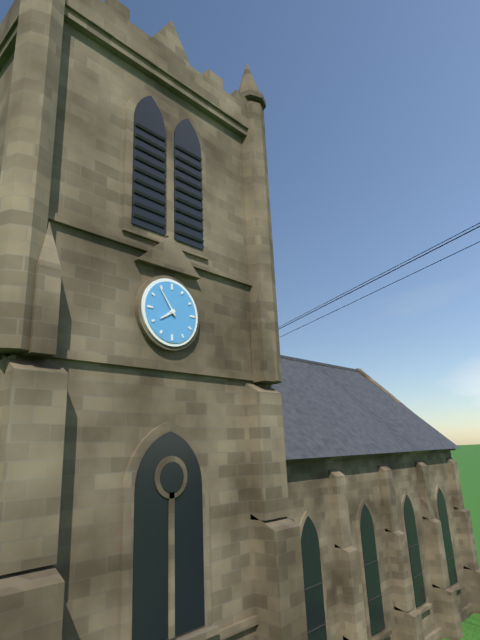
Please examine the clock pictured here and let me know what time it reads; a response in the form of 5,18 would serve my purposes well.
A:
7,54
